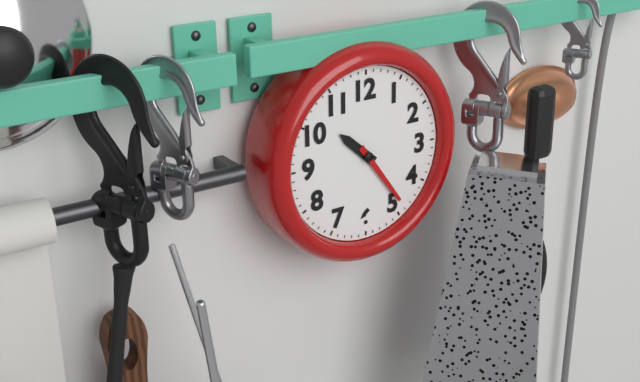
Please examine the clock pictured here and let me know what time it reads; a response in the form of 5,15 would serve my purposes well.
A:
10,24
